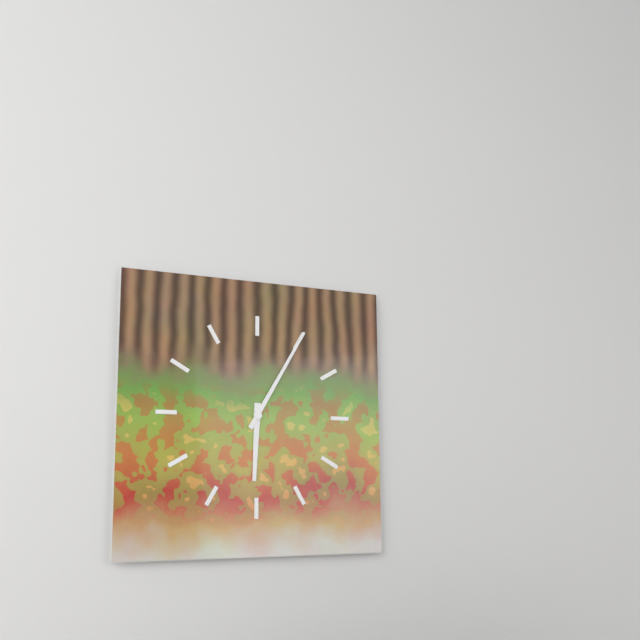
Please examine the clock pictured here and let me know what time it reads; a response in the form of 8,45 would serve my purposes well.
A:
6,05
